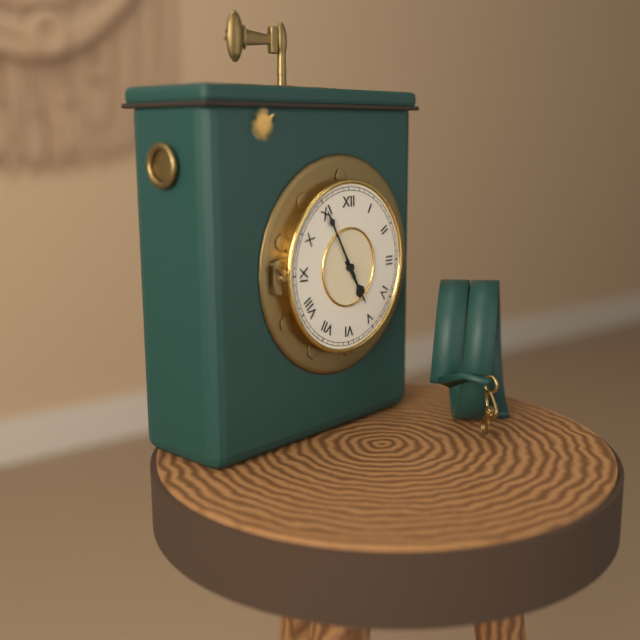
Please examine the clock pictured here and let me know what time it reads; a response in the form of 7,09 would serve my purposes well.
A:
4,55
